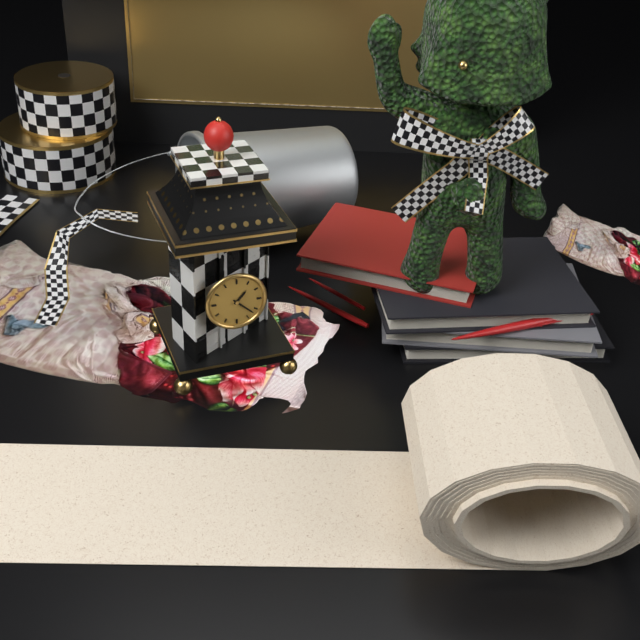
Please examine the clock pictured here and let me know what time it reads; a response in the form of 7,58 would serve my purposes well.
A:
1,22
